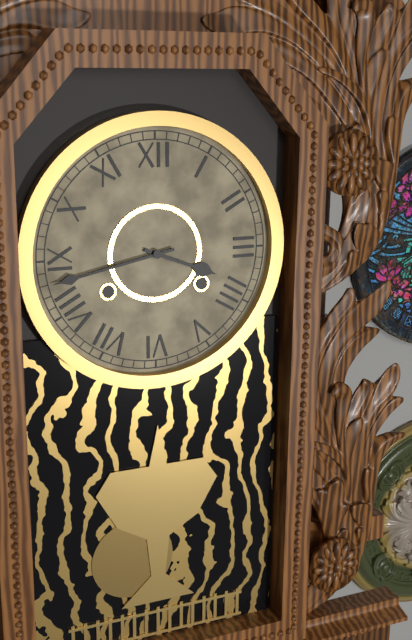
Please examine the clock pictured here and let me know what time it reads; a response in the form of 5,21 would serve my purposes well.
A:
3,43
